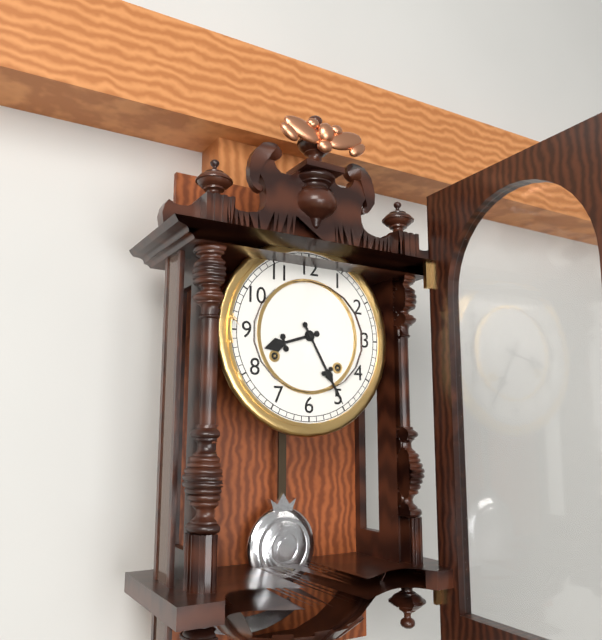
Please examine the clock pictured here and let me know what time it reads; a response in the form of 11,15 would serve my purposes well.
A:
8,25
